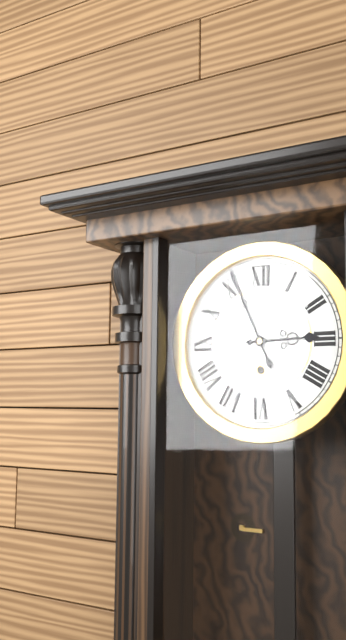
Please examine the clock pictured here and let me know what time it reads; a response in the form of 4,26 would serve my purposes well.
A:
2,56
